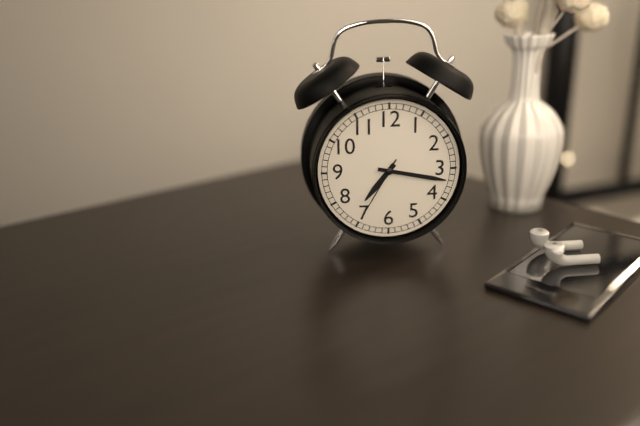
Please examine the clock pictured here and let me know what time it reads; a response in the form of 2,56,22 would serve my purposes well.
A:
7,17,35
